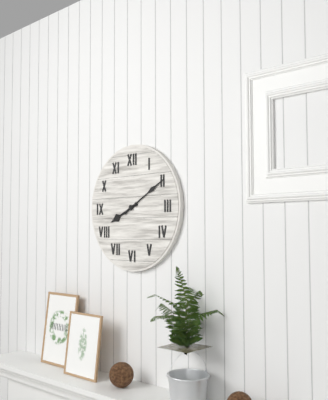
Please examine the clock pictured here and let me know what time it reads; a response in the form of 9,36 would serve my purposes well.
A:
8,10
